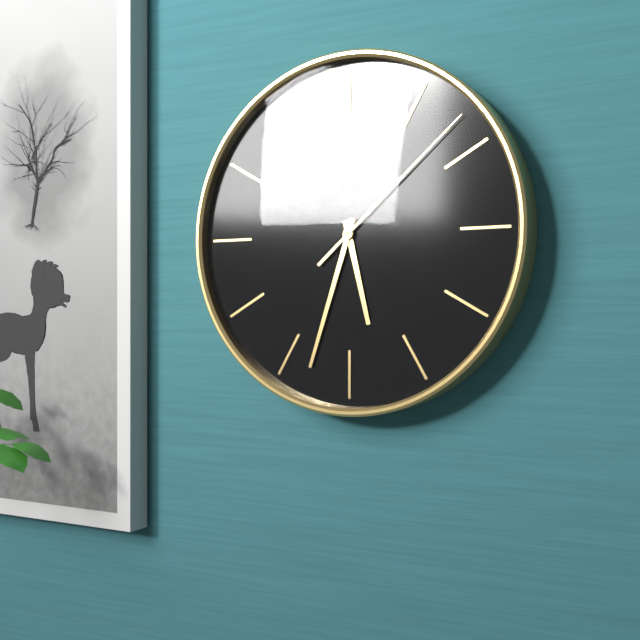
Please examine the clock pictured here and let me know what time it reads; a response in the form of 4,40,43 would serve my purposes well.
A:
5,33,08
